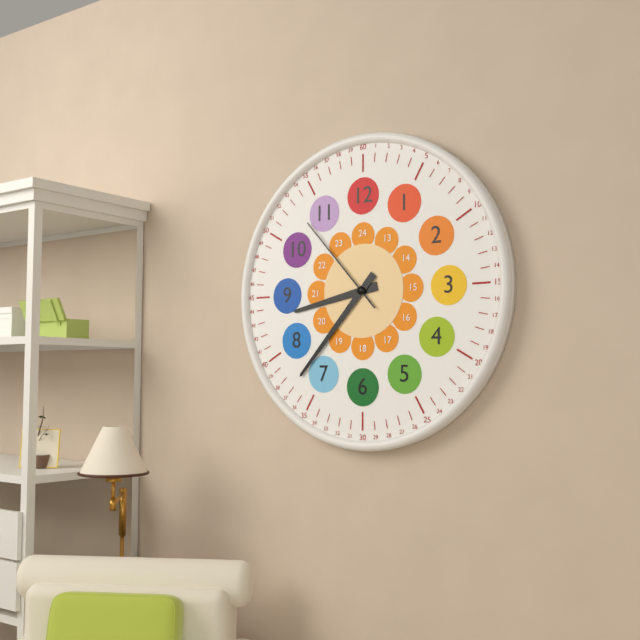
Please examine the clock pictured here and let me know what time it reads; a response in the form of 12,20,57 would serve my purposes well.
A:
8,37,53
